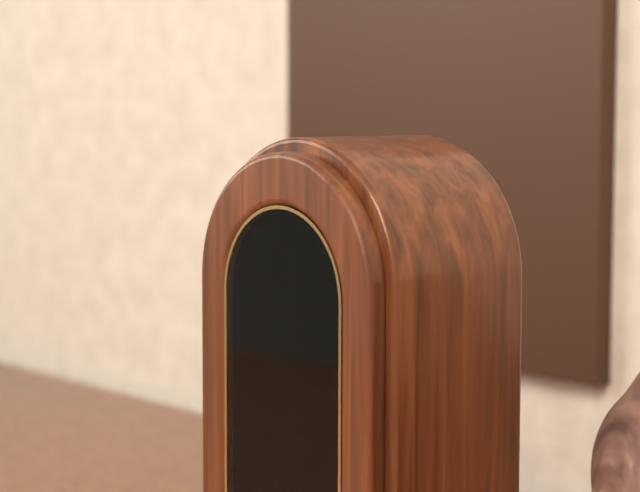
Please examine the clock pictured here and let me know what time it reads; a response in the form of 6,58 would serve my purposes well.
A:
10,24
